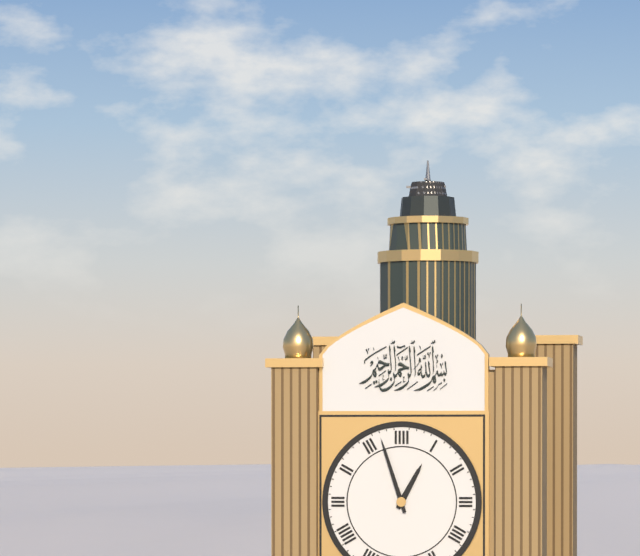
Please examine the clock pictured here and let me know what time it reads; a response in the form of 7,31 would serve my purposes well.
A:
12,57
